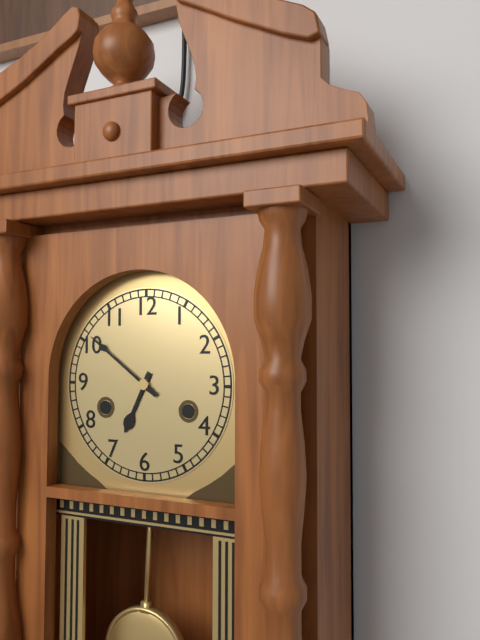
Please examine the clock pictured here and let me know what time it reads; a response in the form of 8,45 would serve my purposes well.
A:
6,51
